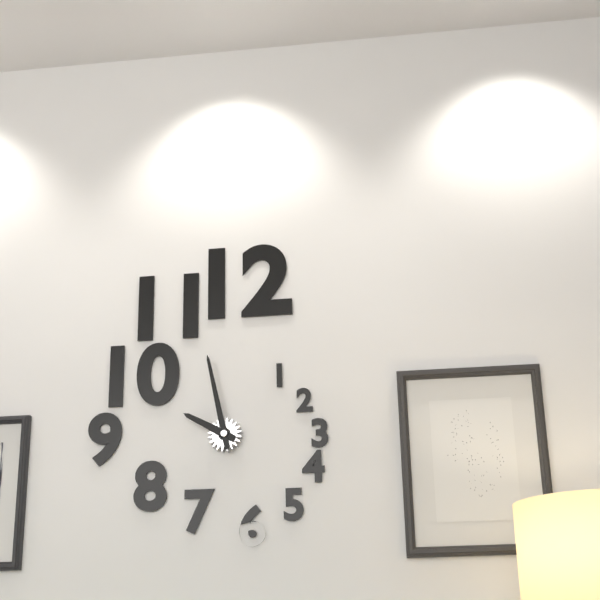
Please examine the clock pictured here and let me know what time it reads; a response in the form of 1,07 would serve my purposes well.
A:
9,58
